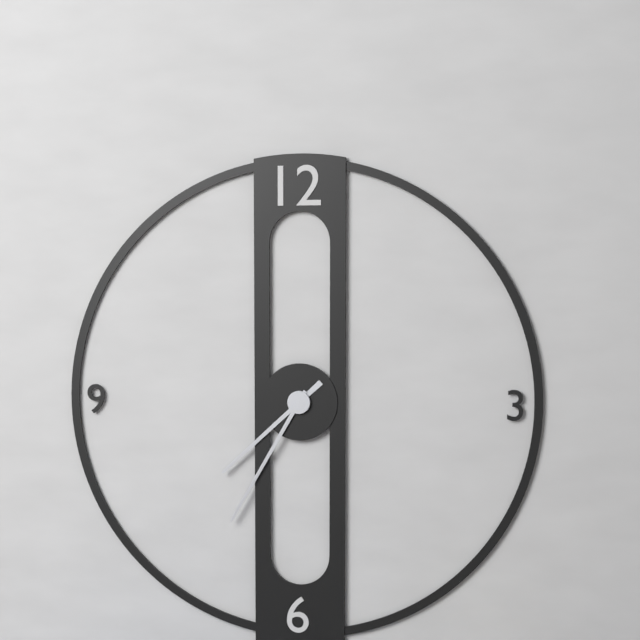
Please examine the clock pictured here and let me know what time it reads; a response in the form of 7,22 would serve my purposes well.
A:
7,35
